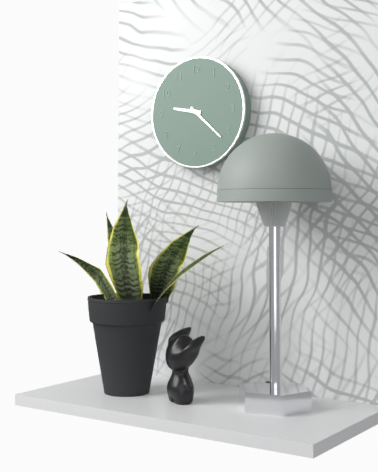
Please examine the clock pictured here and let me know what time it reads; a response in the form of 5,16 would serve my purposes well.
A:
9,22
